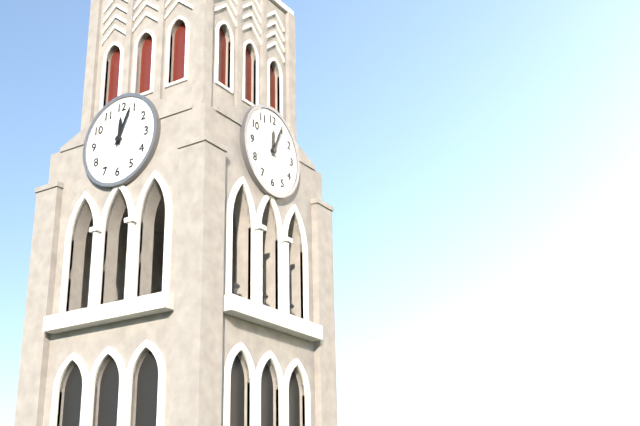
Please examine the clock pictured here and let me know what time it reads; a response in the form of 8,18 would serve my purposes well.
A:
12,04
